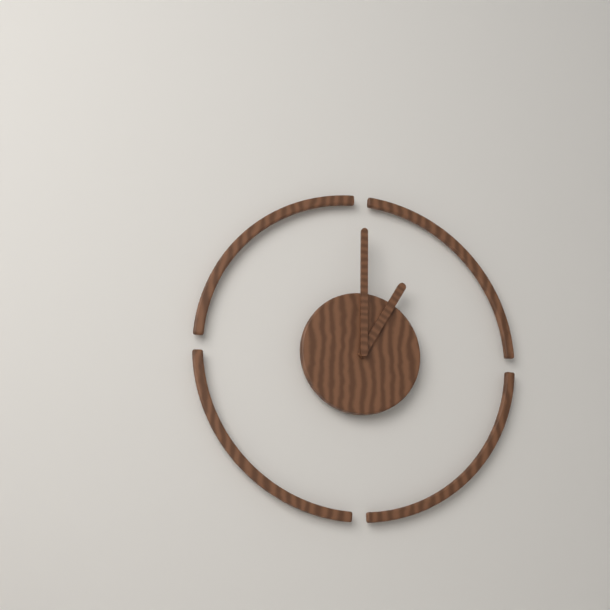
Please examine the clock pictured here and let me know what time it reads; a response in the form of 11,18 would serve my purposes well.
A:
1,00
